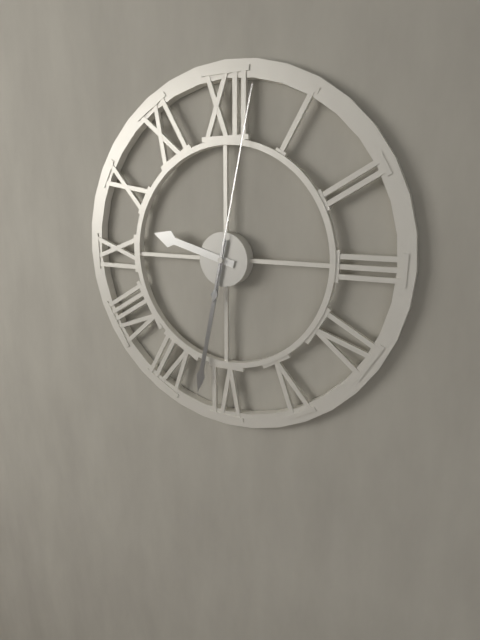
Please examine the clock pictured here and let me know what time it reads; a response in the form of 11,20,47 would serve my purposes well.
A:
9,32,02
